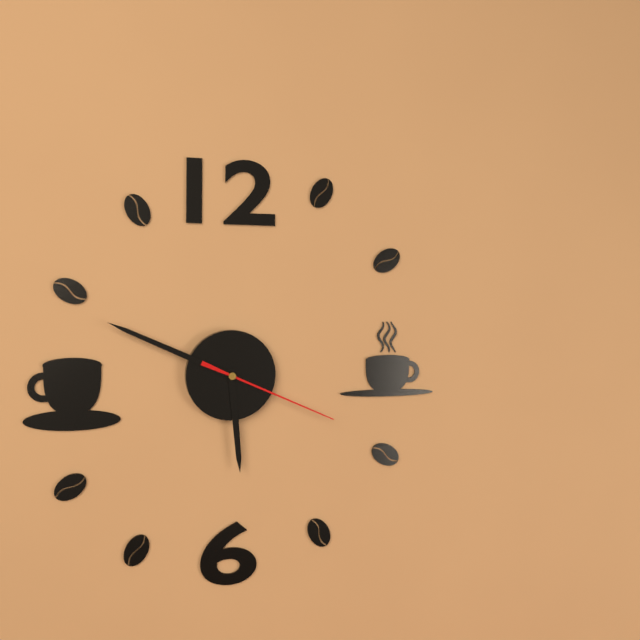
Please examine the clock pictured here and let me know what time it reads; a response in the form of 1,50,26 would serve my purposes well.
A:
5,49,19
